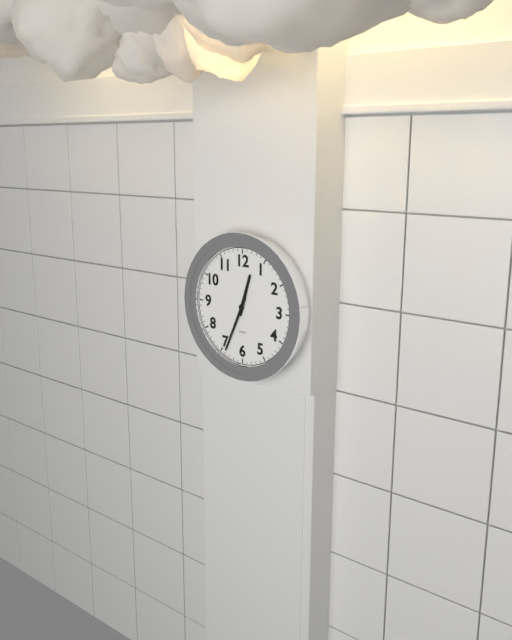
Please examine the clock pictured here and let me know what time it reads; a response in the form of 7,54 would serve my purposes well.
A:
12,34
